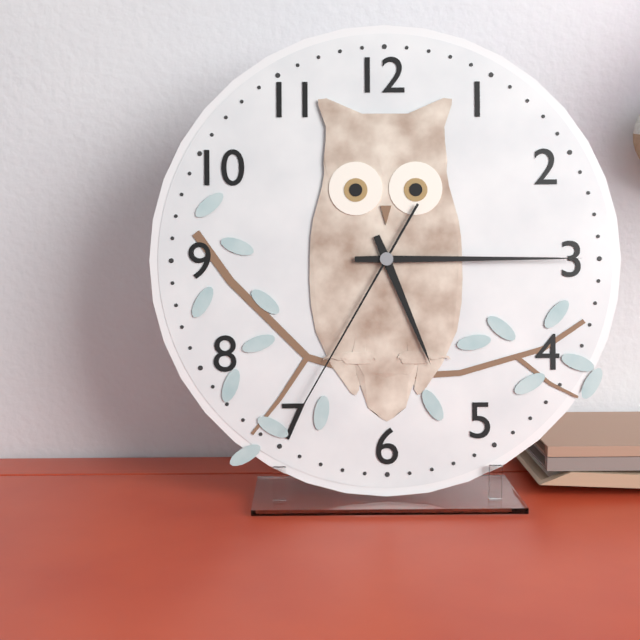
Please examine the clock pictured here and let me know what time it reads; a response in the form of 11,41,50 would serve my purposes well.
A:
5,15,35
